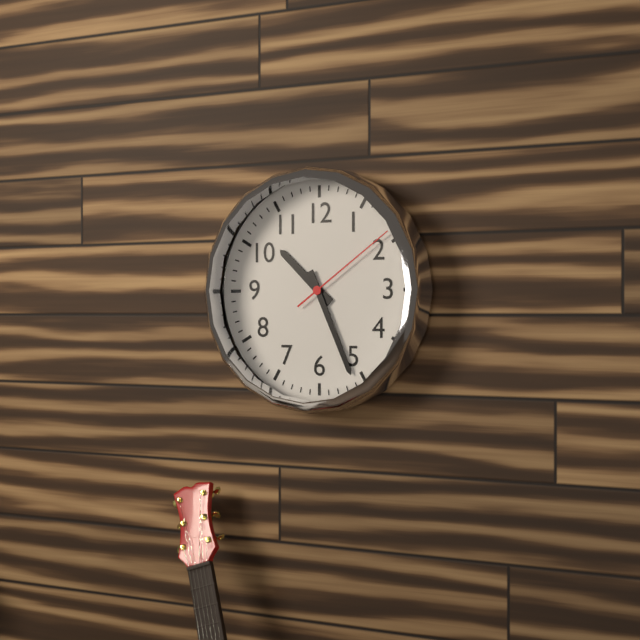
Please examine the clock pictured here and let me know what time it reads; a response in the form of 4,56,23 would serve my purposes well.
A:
10,26,09
